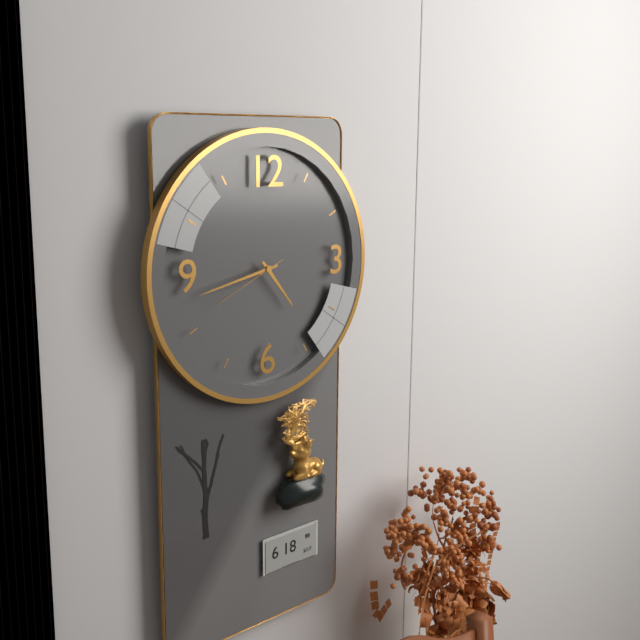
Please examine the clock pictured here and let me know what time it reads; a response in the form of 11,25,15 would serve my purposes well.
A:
4,43,41
